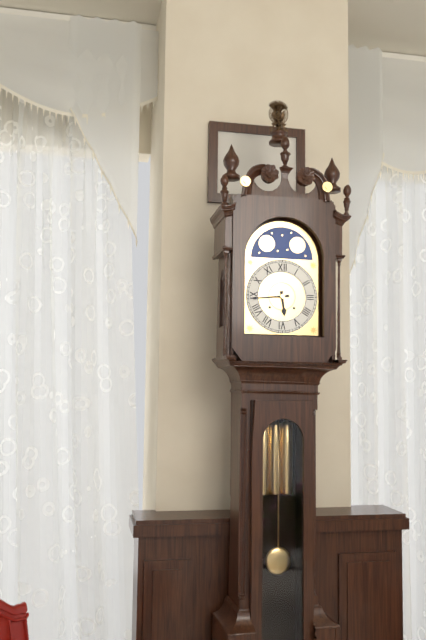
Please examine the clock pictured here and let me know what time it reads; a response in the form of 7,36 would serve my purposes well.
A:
5,44
